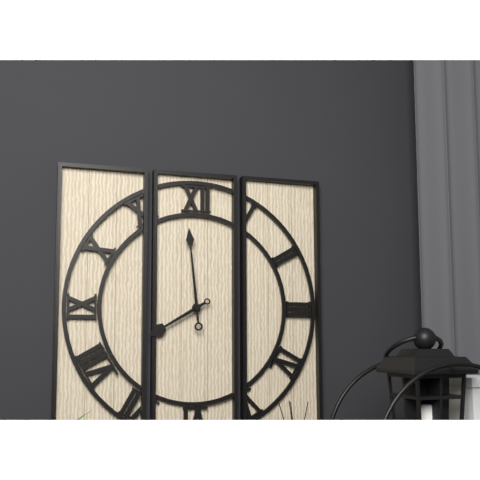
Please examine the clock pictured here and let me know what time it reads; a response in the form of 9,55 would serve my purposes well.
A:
7,59
